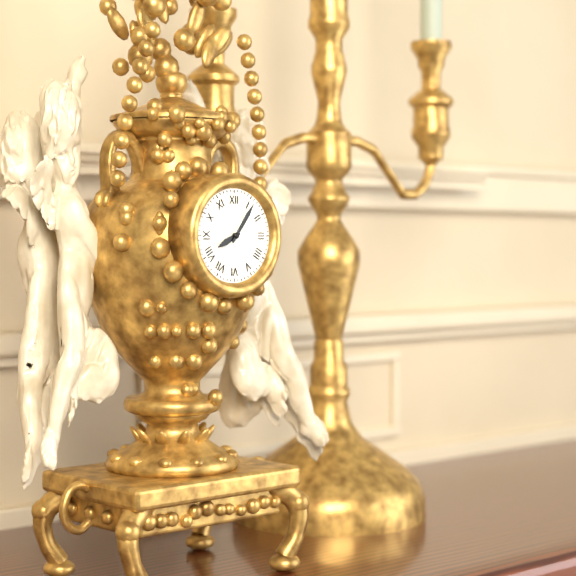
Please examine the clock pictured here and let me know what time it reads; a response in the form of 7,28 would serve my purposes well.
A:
8,06
